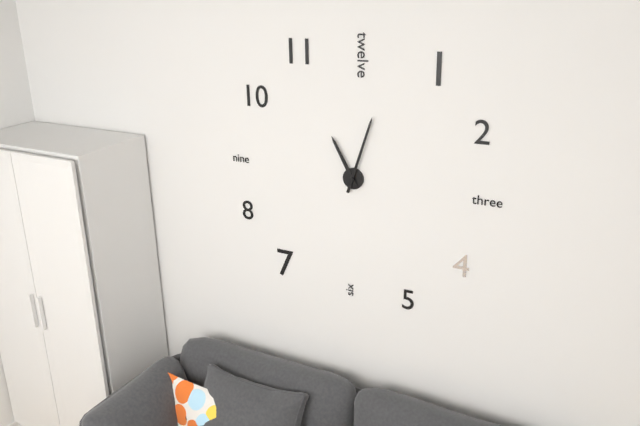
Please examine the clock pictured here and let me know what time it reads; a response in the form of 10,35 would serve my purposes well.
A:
11,03
